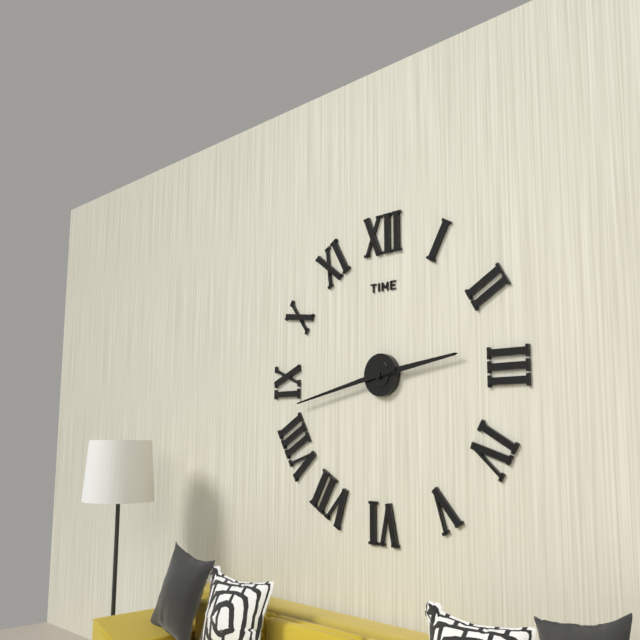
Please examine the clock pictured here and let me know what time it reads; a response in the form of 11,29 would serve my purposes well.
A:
2,43
